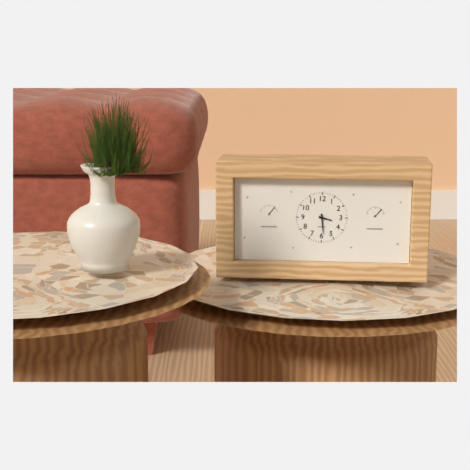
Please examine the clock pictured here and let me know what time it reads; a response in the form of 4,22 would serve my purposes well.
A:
3,29
